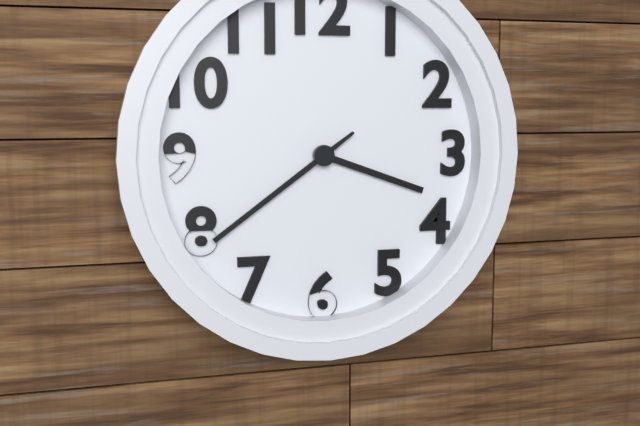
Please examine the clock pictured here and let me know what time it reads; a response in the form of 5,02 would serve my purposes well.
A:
3,39
